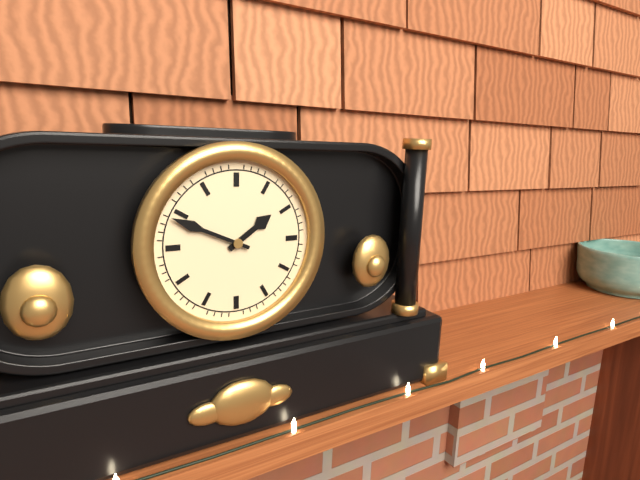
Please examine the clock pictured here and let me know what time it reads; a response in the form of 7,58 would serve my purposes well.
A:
1,49
